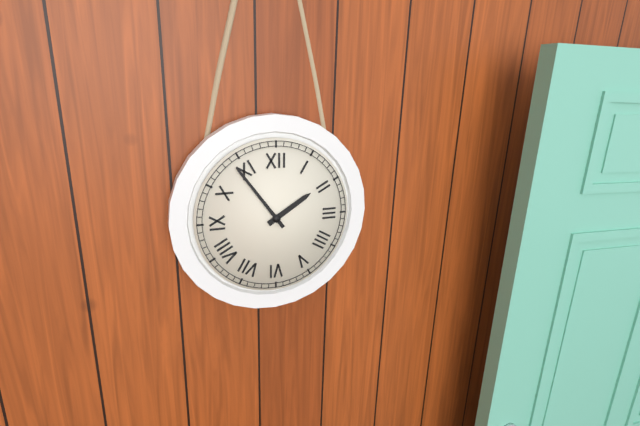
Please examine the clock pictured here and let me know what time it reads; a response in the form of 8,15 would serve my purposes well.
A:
1,54
